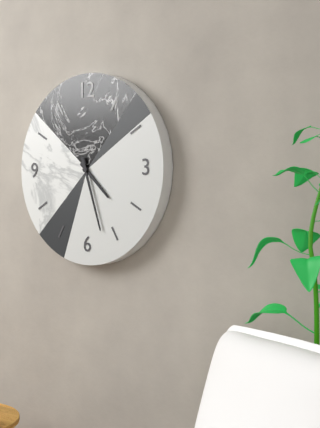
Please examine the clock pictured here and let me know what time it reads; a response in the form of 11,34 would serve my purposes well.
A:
4,27
